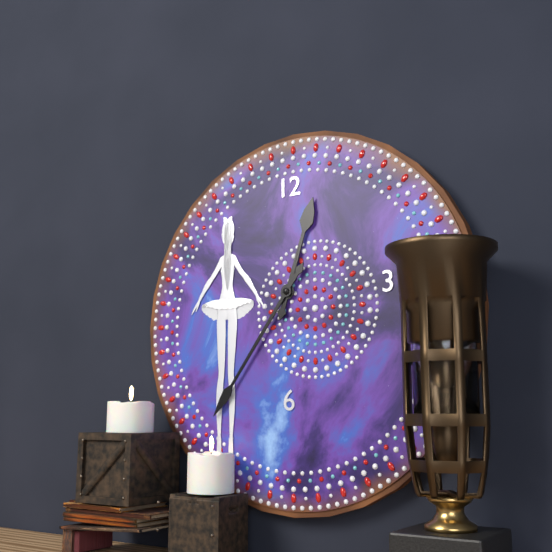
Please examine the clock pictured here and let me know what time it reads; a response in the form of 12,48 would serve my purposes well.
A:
12,36
